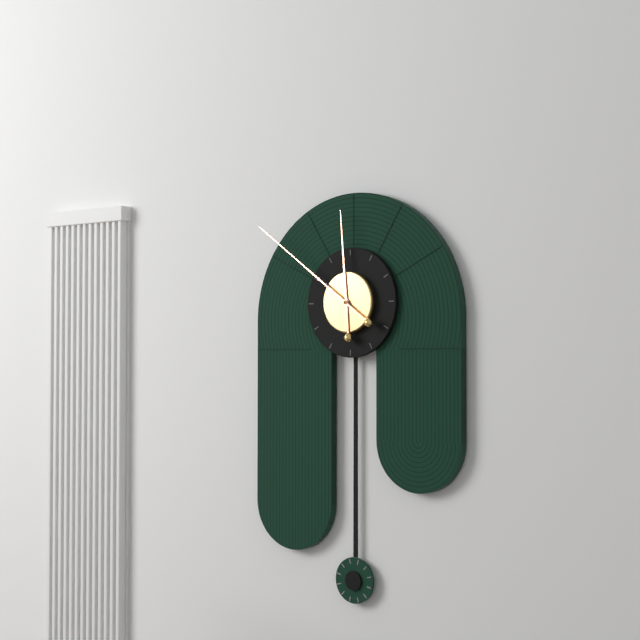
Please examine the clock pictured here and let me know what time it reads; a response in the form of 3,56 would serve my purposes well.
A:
11,51
